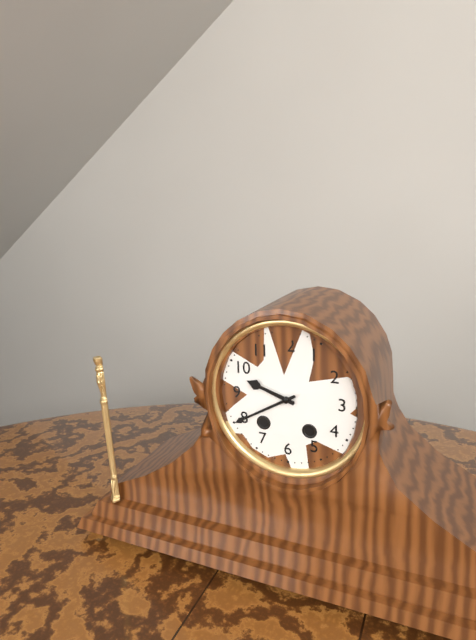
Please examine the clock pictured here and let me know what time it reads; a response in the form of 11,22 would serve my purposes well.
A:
9,40
